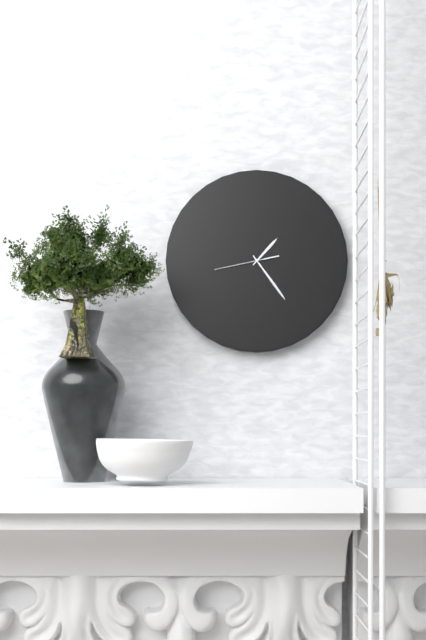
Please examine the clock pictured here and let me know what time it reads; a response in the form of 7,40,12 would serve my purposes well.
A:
1,24,43
